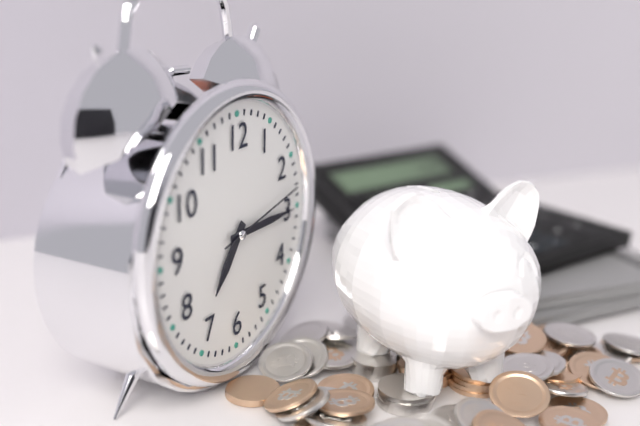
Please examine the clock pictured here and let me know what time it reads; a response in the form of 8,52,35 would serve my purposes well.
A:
7,15,13
